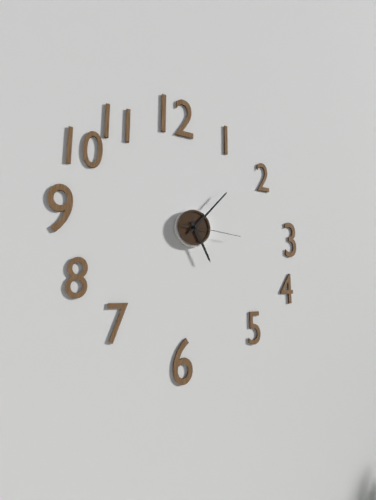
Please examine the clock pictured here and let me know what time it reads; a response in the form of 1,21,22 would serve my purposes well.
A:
5,07,16
